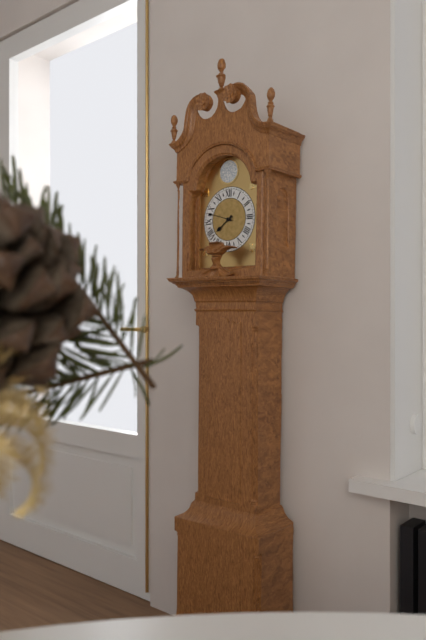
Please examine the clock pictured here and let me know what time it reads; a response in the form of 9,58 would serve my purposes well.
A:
7,48
